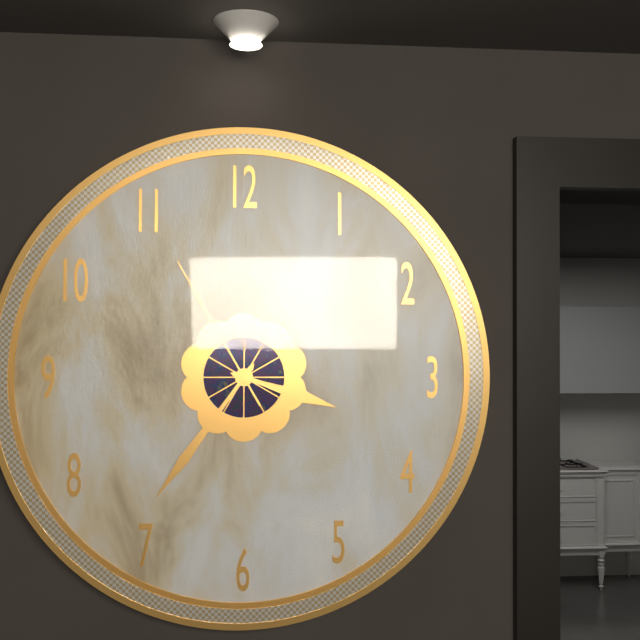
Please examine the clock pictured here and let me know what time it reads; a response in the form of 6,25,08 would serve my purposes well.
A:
3,36,55
